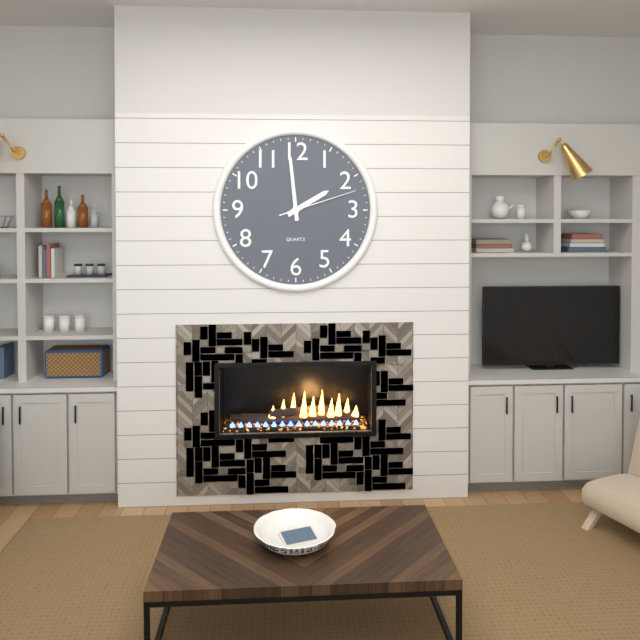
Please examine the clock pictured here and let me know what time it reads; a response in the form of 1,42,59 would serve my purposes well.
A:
1,59,12
